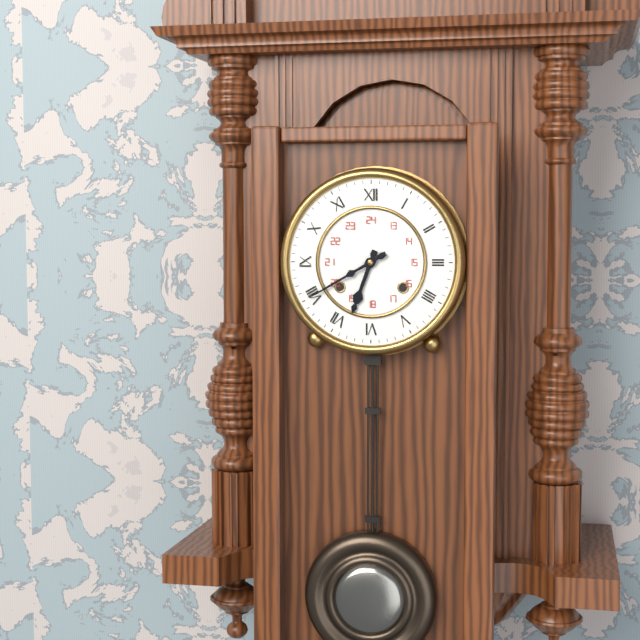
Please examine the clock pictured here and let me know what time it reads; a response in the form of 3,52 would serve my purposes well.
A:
6,40
